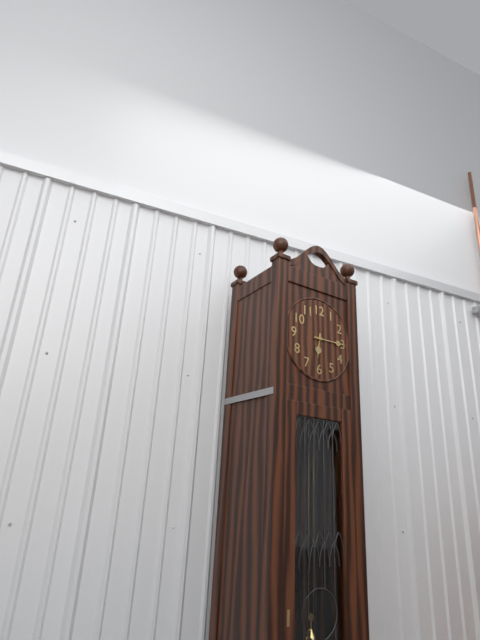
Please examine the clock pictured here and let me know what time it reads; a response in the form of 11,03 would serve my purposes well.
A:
6,15
